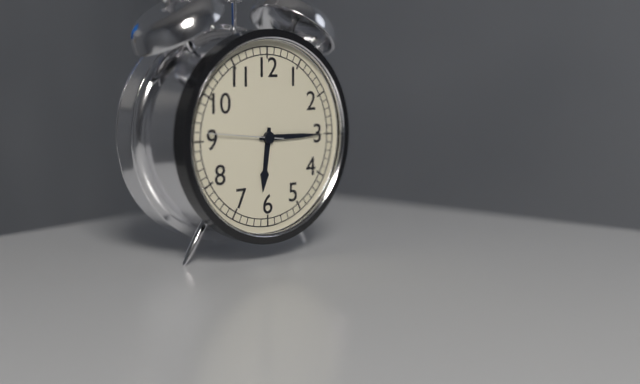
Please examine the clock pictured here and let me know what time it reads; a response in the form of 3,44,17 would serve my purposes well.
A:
6,15,46
